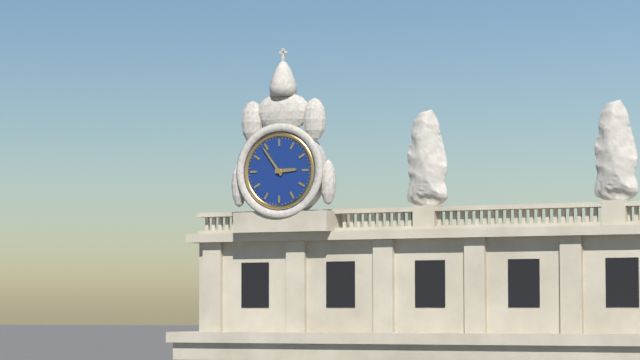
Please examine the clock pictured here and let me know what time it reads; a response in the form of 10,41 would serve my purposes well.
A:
2,54
